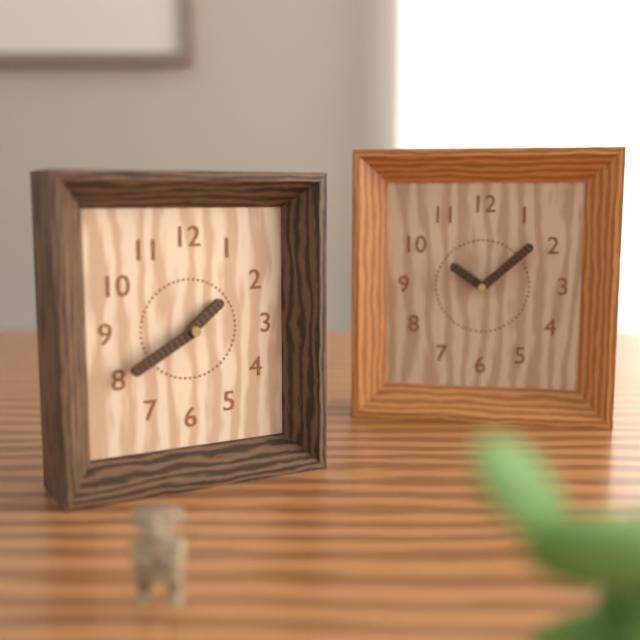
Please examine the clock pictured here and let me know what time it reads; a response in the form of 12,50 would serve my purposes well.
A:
1,40
